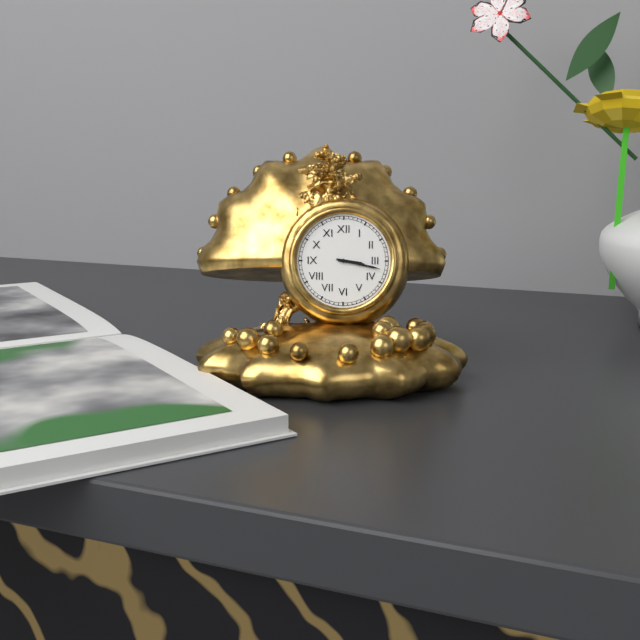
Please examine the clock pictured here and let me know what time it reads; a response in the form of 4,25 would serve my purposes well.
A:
3,17
